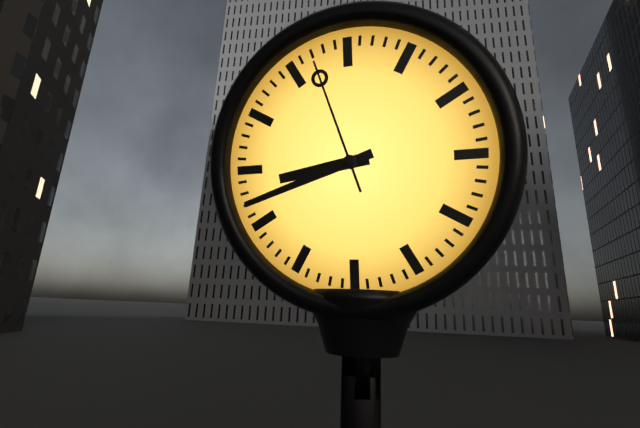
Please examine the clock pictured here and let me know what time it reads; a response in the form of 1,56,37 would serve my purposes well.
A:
8,42,57
